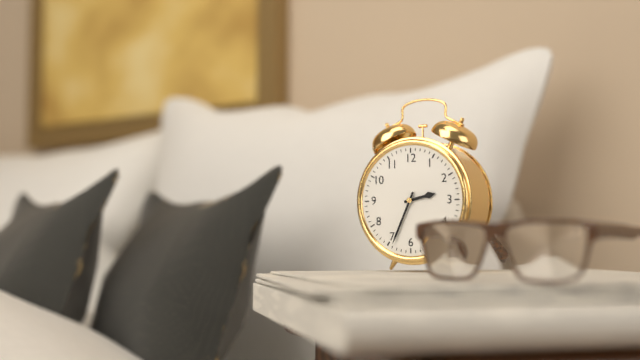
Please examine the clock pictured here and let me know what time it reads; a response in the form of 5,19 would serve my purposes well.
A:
2,34
